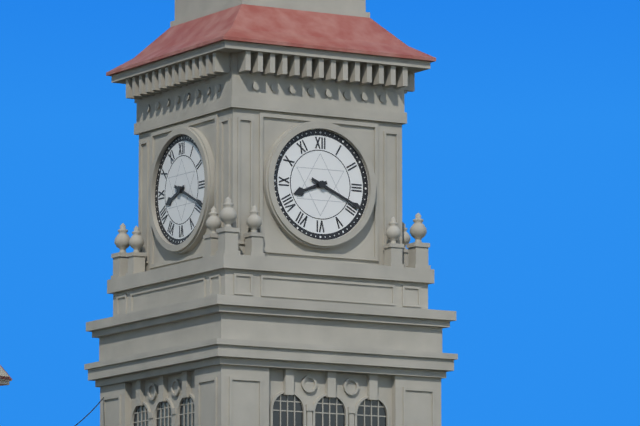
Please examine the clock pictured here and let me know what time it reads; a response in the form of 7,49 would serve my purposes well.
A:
8,19
